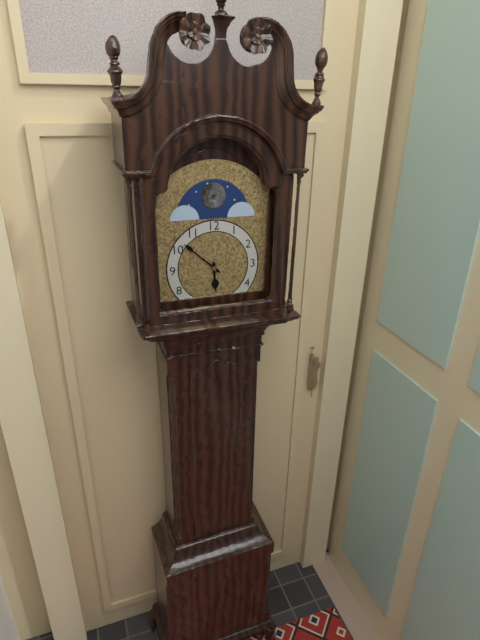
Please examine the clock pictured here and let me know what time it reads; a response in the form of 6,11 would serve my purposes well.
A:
5,52
